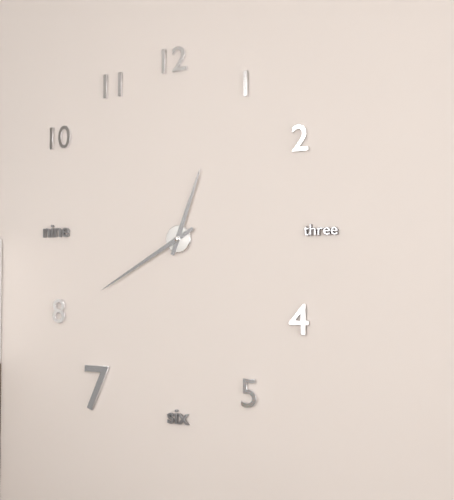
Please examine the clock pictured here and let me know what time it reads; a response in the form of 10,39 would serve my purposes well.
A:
12,40
